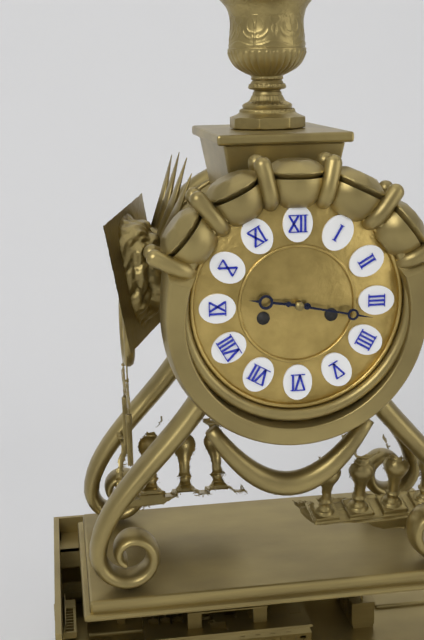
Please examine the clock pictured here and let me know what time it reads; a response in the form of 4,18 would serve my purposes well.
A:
9,17
